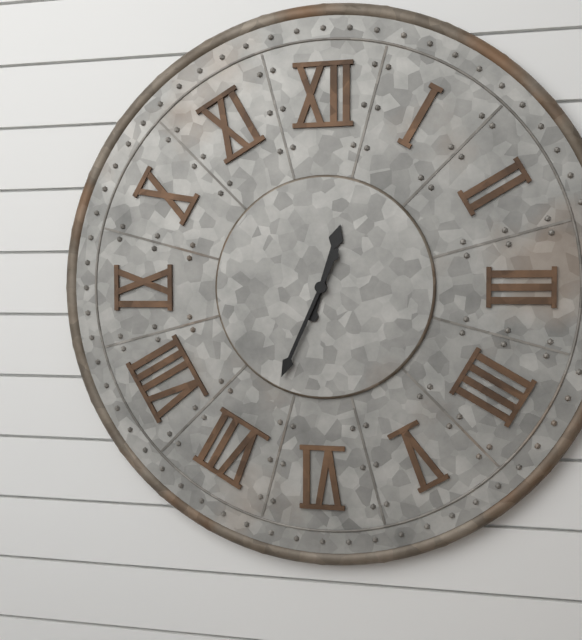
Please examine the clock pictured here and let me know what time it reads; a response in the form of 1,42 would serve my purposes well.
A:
12,34
